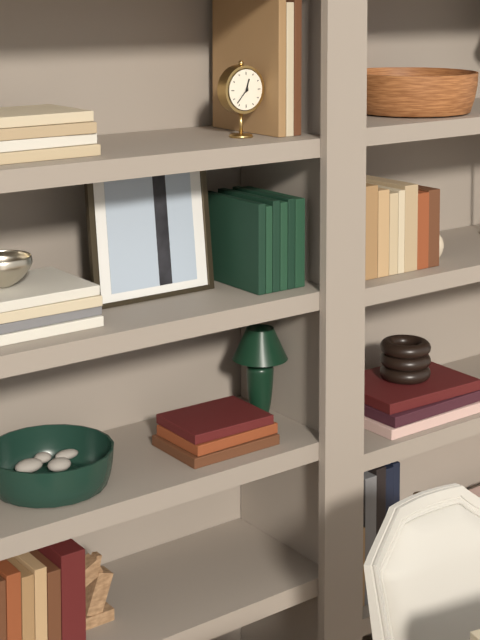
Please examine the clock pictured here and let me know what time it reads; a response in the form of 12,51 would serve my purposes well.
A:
12,37
